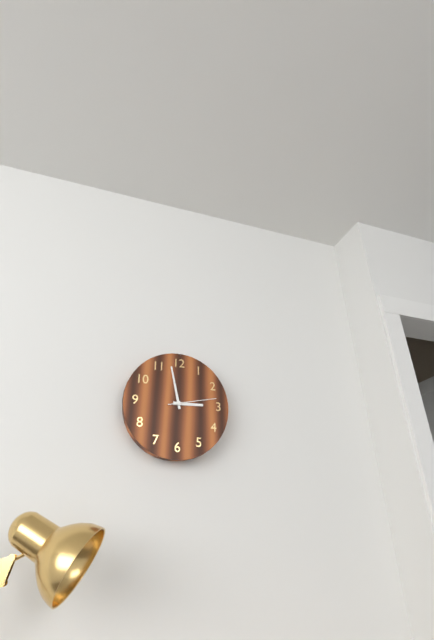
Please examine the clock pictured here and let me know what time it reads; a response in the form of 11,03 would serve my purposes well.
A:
2,58
